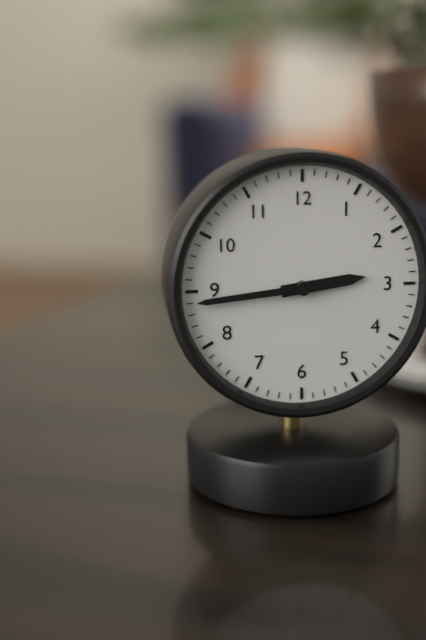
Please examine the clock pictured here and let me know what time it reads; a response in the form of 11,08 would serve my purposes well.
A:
2,44
